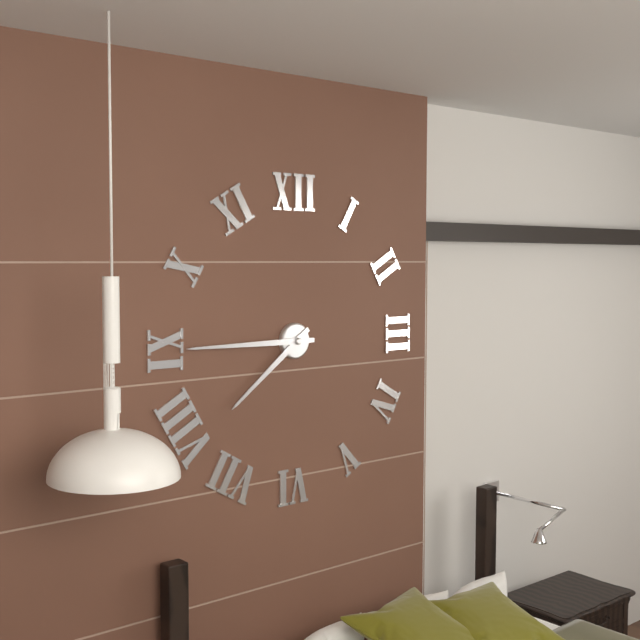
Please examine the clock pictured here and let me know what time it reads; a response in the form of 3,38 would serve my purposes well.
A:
7,45
